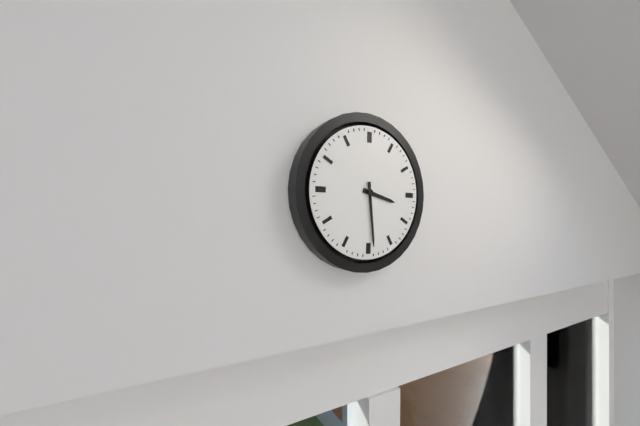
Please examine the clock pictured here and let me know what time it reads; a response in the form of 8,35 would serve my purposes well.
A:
3,29
